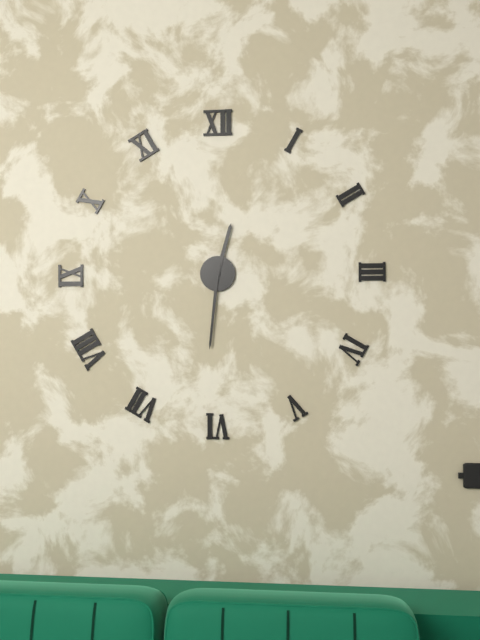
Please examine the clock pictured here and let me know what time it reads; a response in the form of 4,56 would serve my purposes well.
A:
12,31
